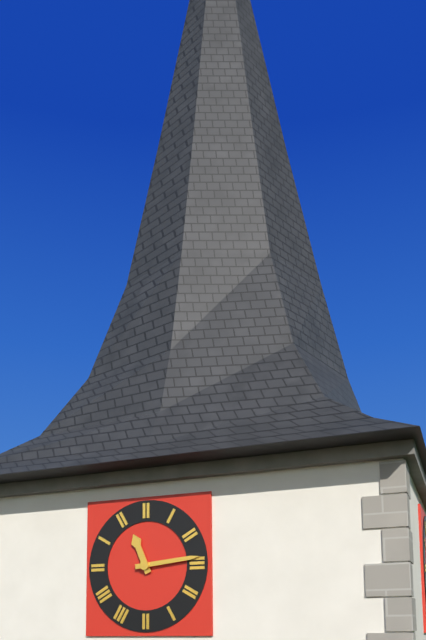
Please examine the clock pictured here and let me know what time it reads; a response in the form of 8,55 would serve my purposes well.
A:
11,14
